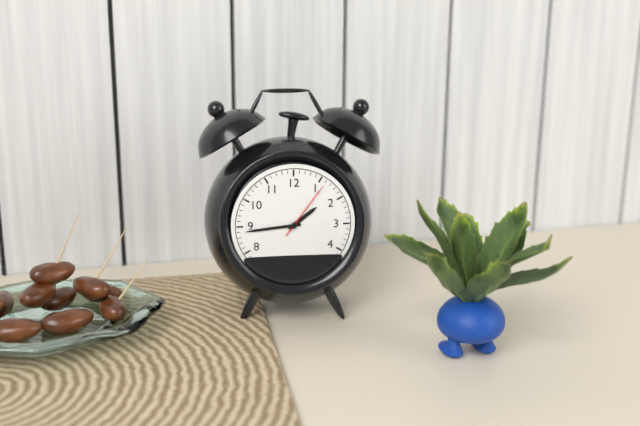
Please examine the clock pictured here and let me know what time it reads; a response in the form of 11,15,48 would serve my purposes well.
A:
1,44,06
